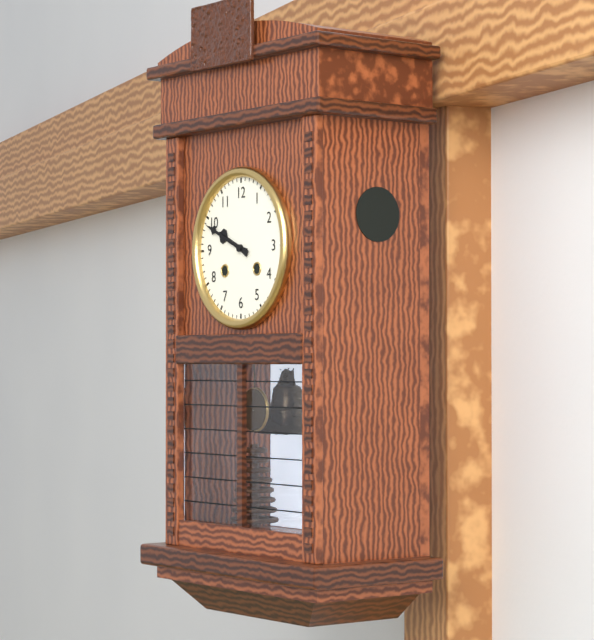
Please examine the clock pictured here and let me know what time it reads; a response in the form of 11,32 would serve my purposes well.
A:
9,49
